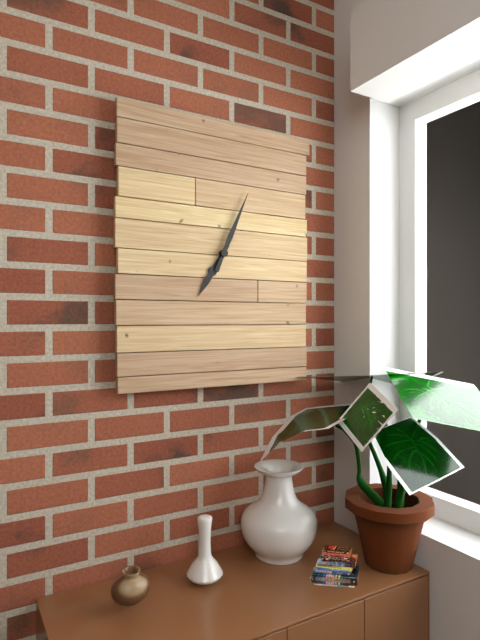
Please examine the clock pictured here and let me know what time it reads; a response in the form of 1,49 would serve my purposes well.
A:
7,04
